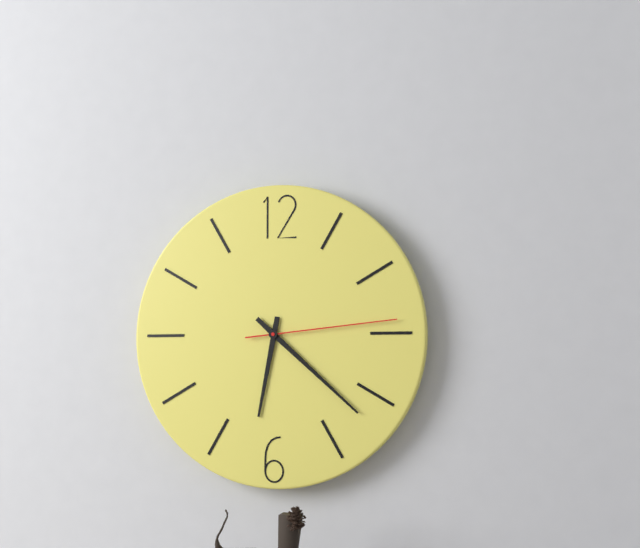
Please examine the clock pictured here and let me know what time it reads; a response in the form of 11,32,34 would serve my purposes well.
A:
6,22,14
